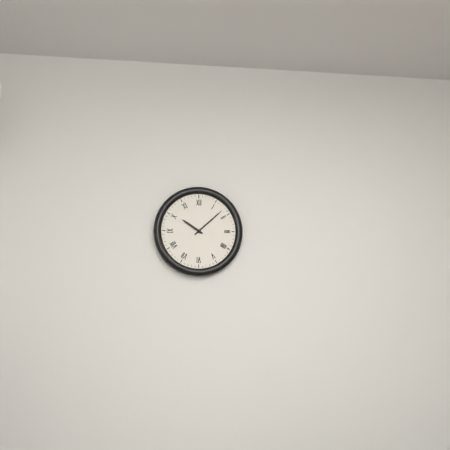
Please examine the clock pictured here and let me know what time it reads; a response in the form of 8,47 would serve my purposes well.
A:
10,08
